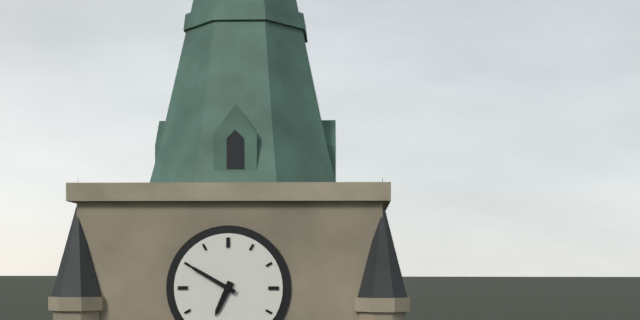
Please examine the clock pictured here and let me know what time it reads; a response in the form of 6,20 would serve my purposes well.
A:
6,50
